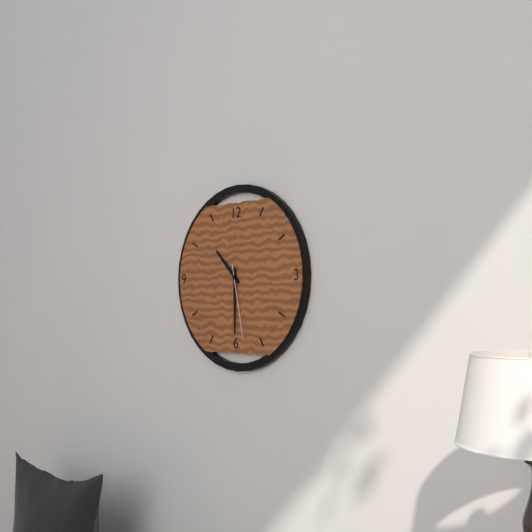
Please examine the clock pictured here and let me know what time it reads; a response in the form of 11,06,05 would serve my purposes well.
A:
10,30,28
